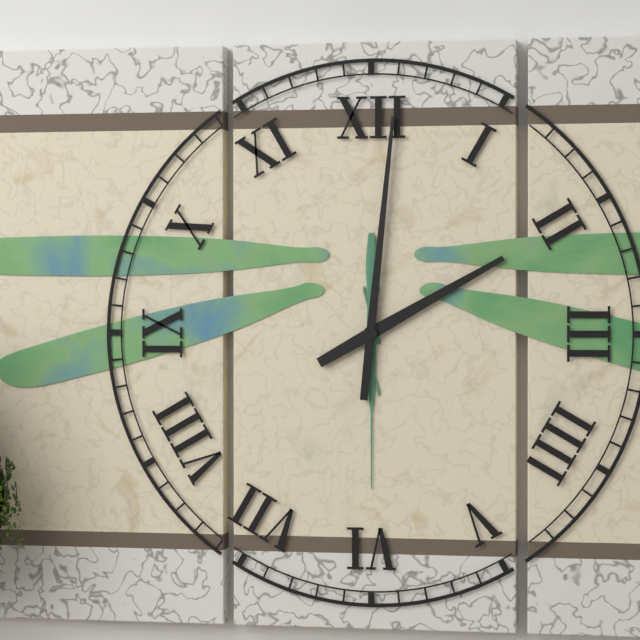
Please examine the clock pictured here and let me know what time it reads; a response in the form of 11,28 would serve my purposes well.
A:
2,01
